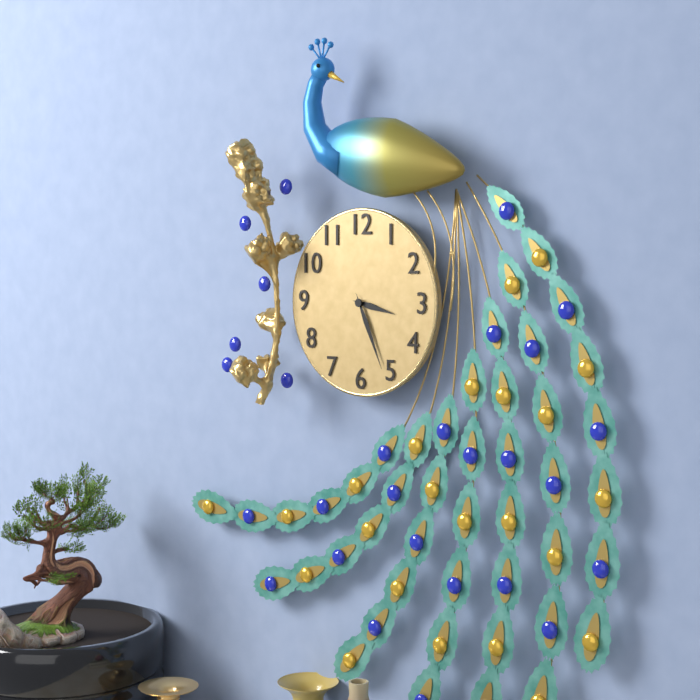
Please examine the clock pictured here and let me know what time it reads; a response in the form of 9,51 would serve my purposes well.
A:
3,26
